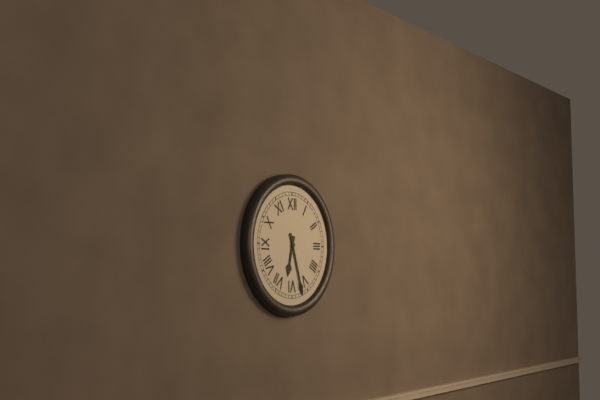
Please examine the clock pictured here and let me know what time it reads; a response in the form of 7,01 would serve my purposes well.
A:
6,27
